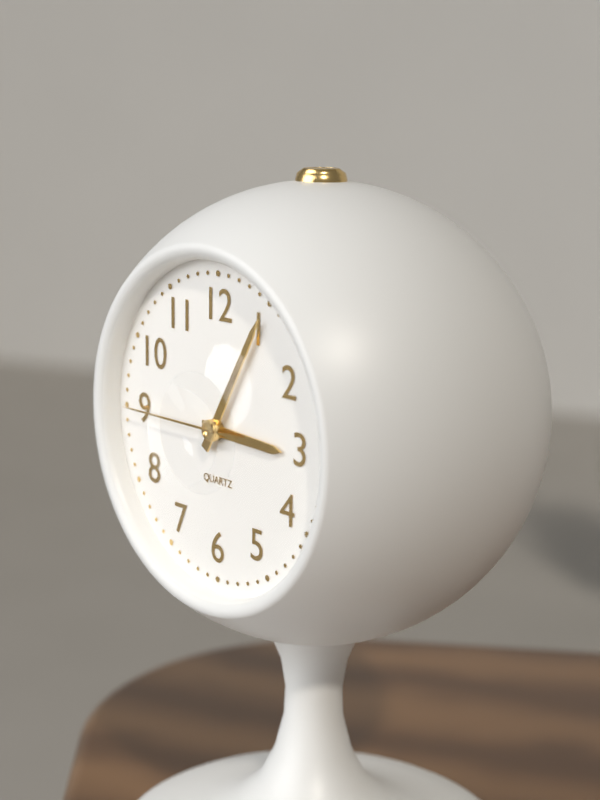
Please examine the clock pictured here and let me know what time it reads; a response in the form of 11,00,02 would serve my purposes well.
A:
3,05,45
